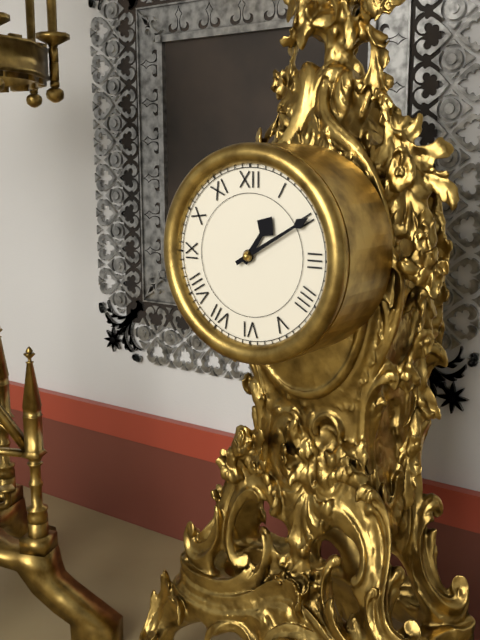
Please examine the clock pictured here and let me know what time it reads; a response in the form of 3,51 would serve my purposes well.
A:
1,10
